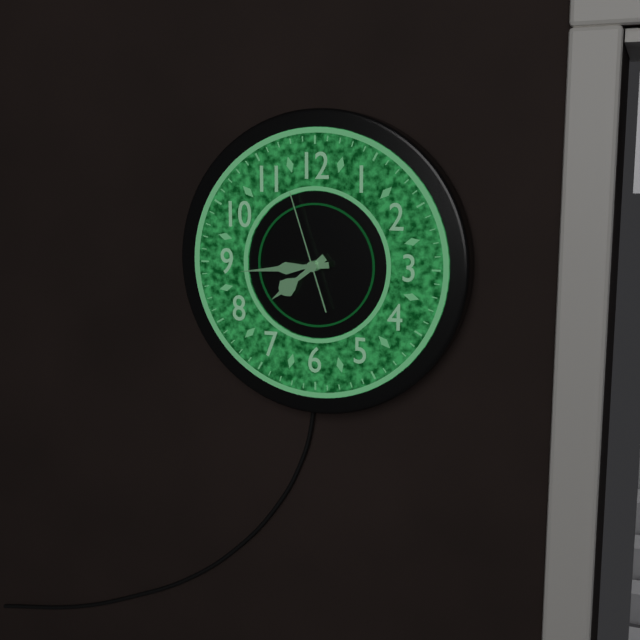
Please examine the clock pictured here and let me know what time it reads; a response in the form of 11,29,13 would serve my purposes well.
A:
7,44,57
